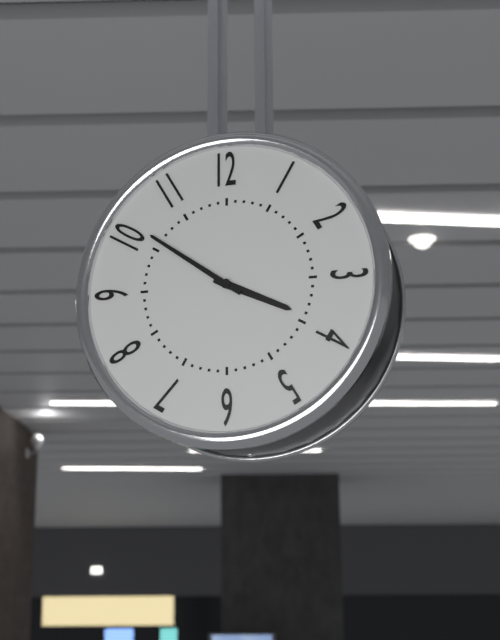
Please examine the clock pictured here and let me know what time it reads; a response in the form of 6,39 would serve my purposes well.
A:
3,51
